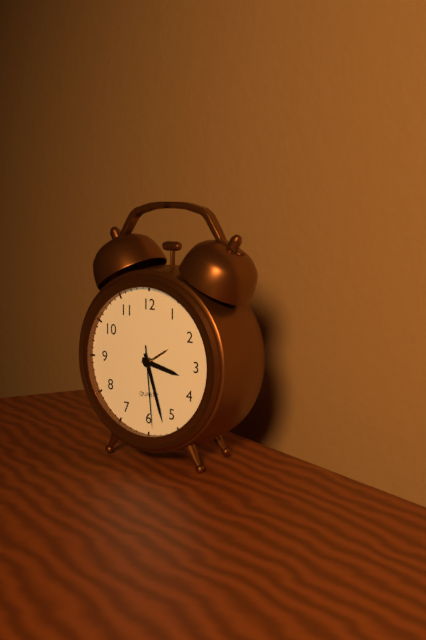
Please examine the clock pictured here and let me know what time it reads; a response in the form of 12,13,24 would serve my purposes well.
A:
3,27,29
